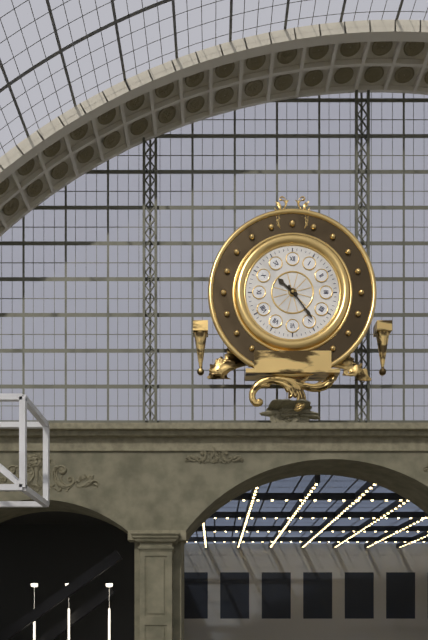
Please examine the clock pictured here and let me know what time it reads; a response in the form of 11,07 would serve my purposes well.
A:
10,24
